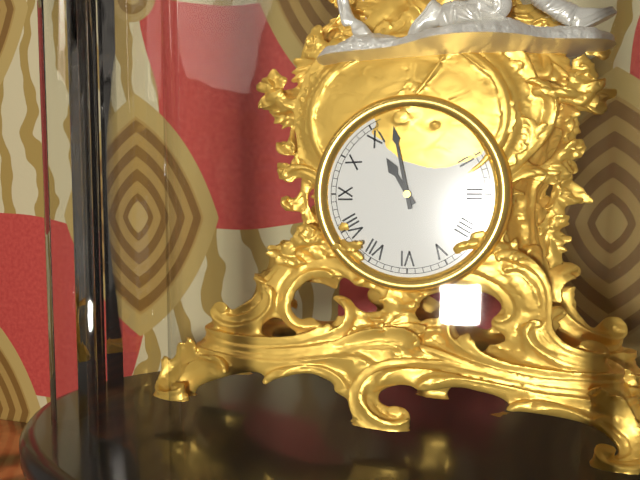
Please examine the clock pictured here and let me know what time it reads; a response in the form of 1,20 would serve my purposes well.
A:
10,58
